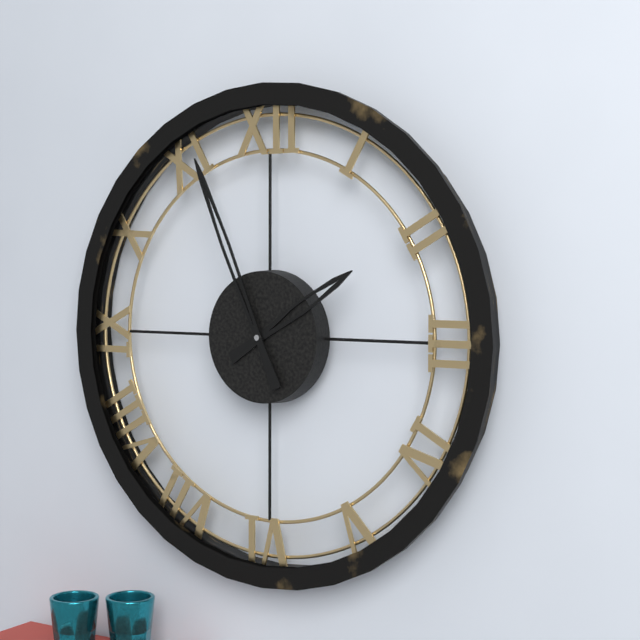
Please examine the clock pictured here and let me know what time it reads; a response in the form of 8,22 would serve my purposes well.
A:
1,56
